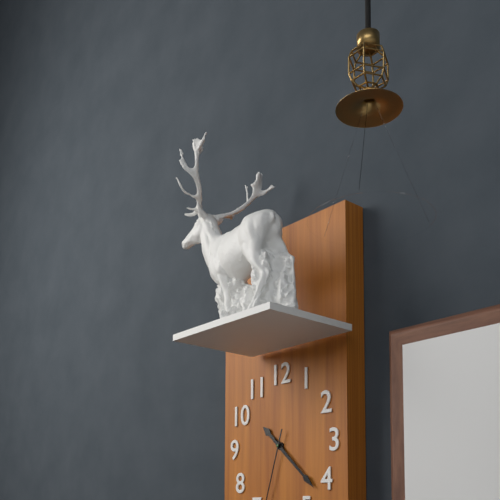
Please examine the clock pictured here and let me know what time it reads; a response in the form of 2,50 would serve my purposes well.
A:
10,22
